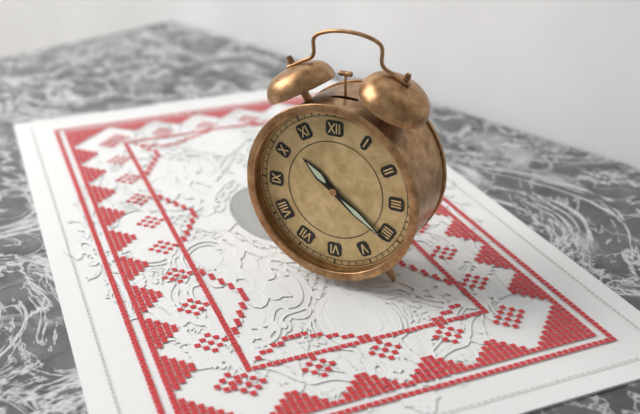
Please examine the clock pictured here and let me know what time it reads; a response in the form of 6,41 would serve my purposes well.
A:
10,21
